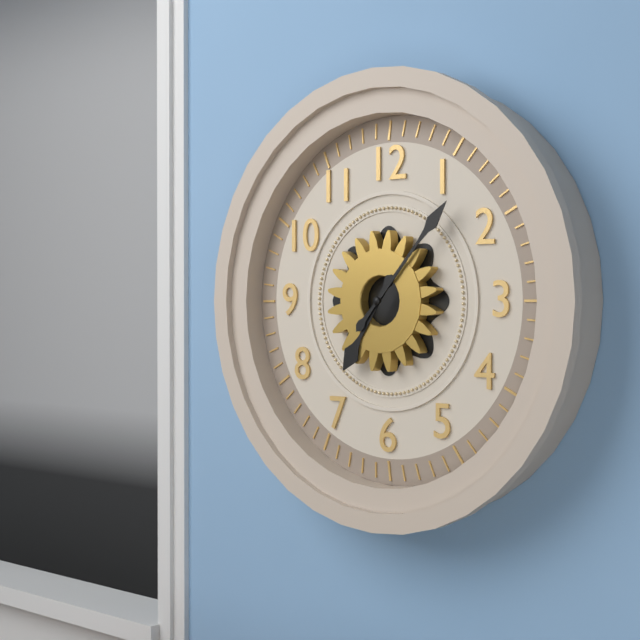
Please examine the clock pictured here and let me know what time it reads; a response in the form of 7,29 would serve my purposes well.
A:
7,07
